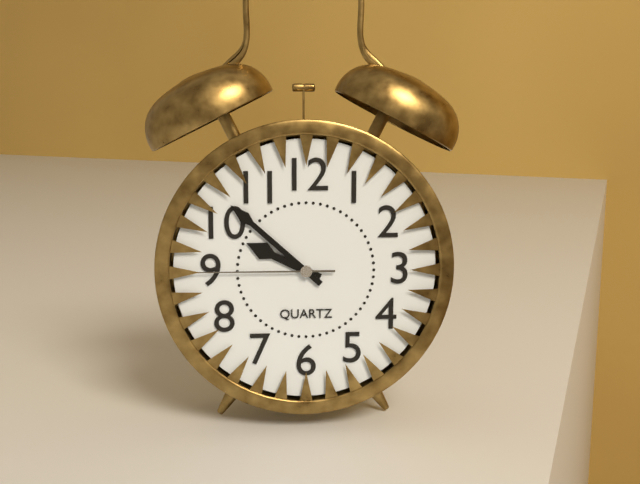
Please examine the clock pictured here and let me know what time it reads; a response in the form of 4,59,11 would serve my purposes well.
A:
9,52,45
